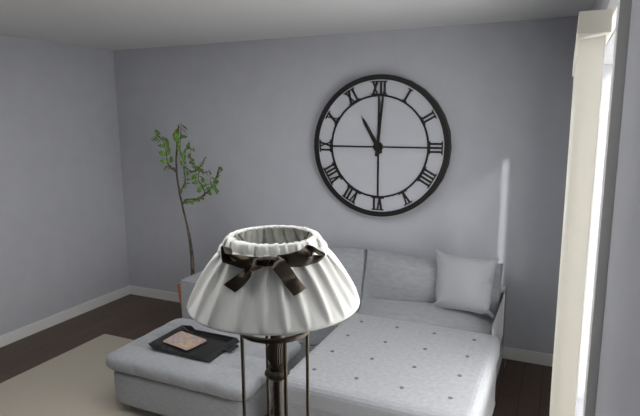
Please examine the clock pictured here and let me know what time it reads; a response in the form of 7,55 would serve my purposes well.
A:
11,01
